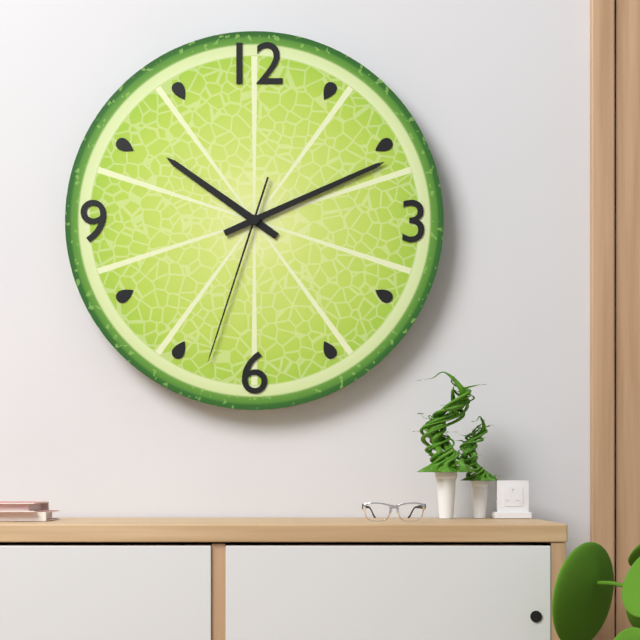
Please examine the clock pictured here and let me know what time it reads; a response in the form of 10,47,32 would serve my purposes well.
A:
10,11,33
